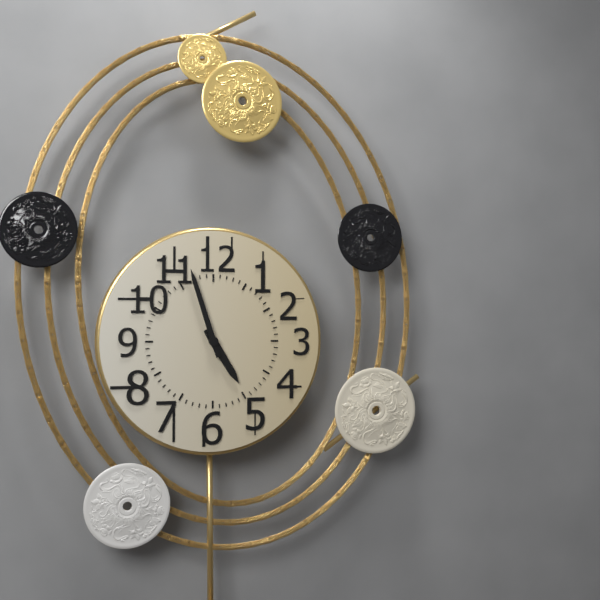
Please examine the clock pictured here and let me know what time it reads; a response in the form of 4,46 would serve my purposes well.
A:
4,57
